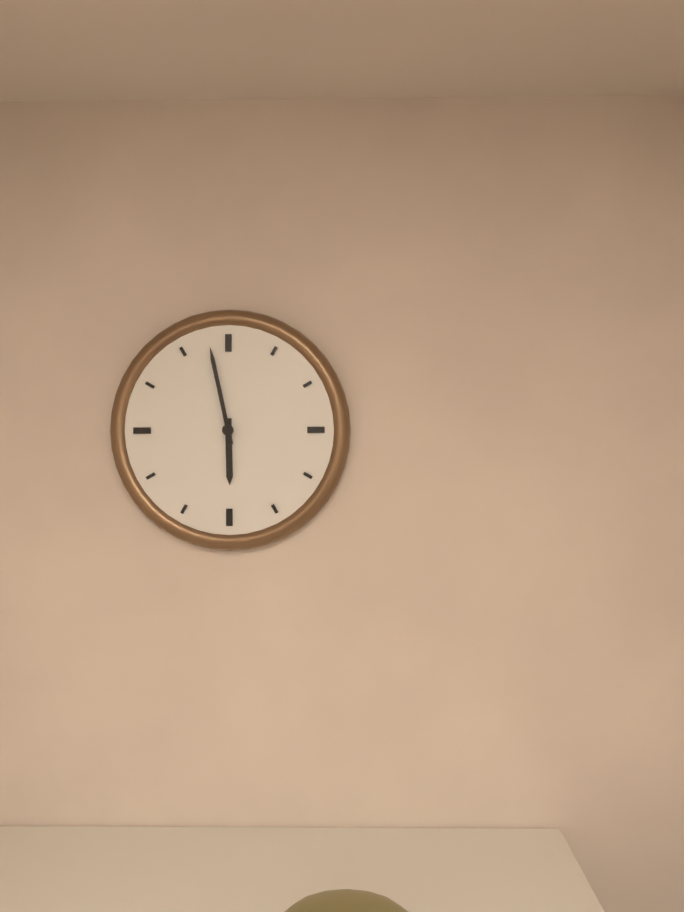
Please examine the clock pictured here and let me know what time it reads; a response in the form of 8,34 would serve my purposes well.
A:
5,58
